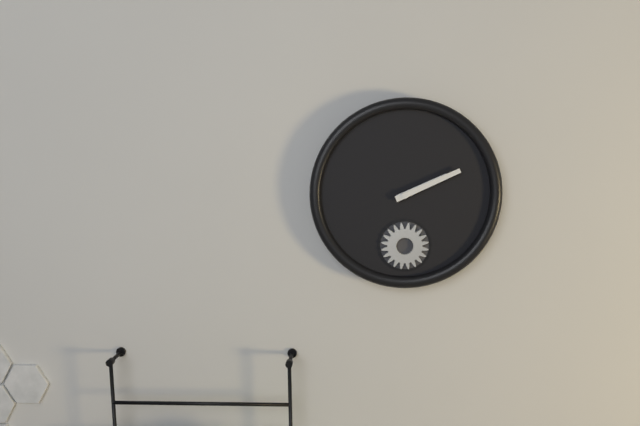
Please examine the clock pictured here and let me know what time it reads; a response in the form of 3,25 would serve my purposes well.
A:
2,11
